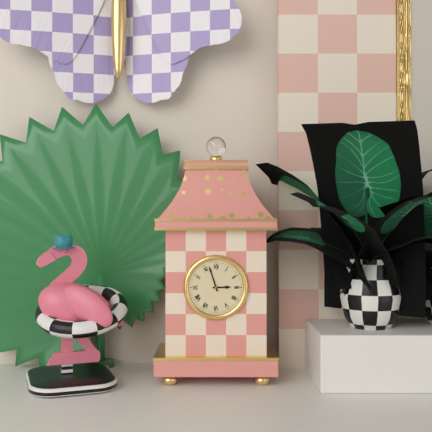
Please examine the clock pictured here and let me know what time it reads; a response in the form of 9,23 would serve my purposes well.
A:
2,57
